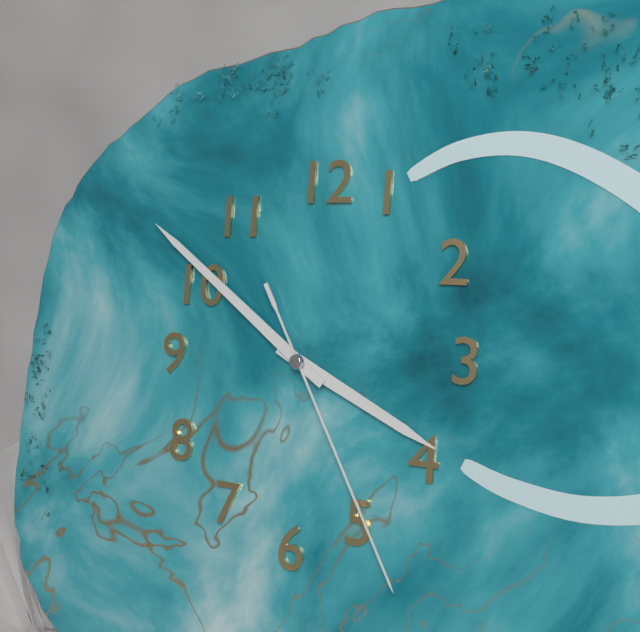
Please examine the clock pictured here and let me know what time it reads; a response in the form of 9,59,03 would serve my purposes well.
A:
3,51,25
